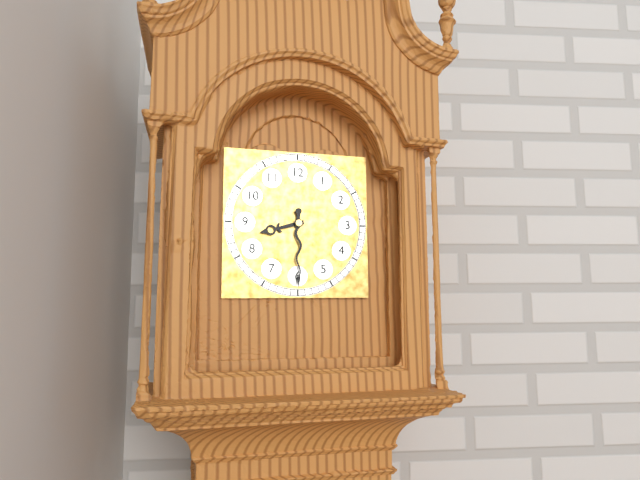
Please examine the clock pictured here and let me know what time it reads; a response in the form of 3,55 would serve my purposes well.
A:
8,30
